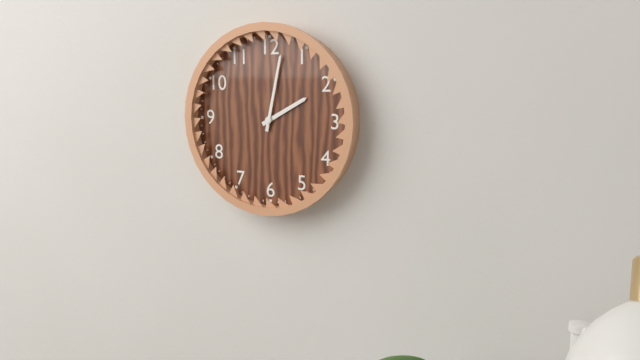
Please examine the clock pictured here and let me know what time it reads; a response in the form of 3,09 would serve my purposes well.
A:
2,02
